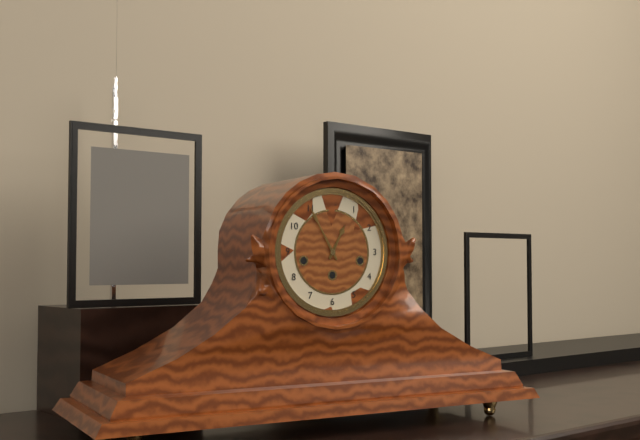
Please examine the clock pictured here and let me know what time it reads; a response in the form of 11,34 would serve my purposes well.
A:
12,55
